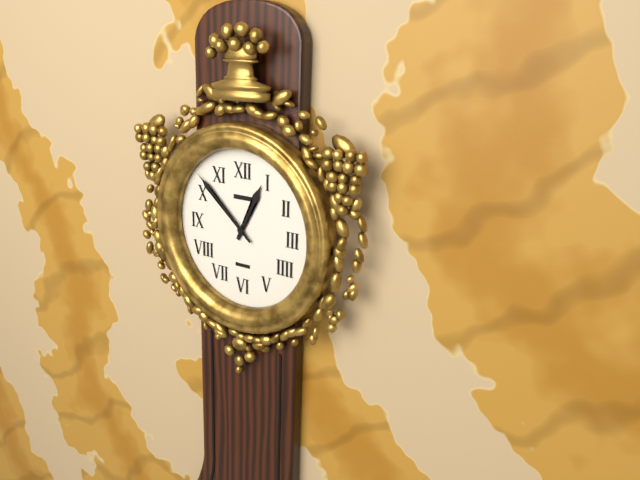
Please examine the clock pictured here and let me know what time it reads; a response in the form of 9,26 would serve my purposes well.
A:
12,52
